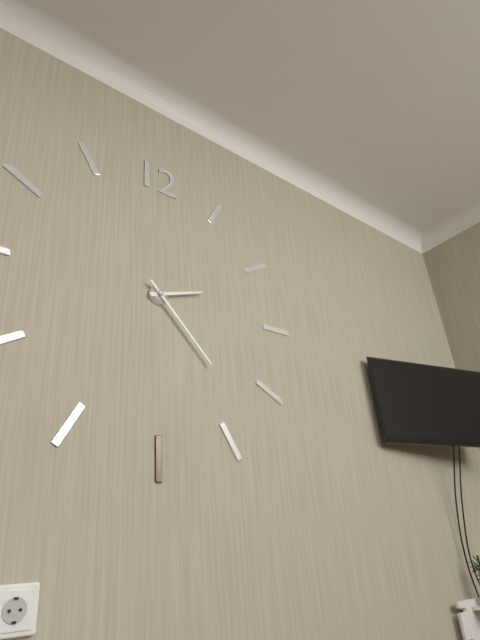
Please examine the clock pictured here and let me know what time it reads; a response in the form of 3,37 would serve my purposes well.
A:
2,23
